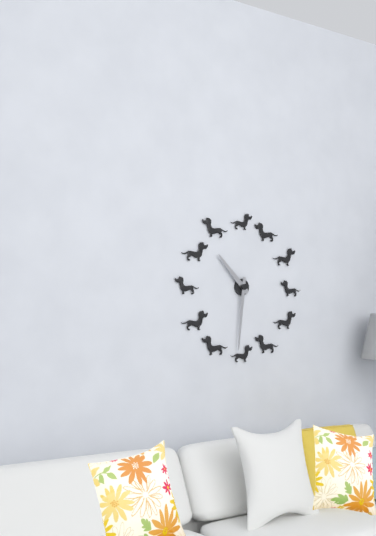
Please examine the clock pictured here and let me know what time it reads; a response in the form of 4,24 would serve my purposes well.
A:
10,31
